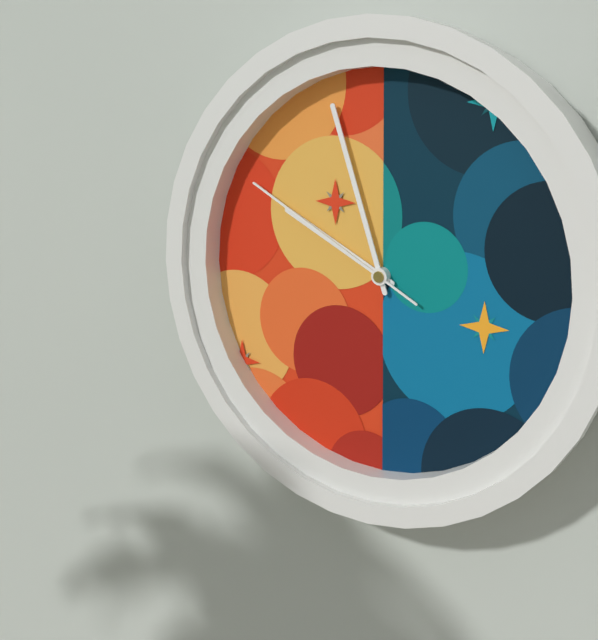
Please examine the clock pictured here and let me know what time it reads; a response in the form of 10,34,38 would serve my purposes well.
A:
9,57,50
